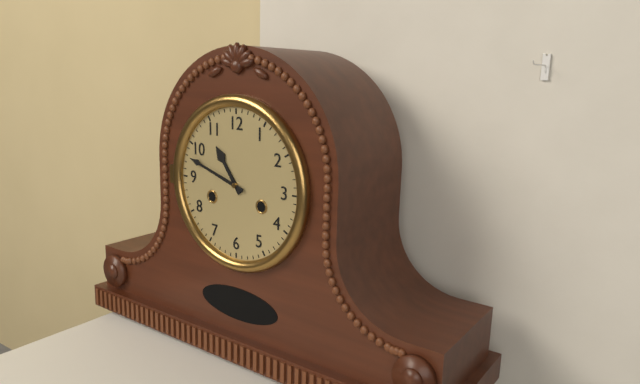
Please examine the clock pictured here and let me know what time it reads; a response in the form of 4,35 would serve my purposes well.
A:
10,48
